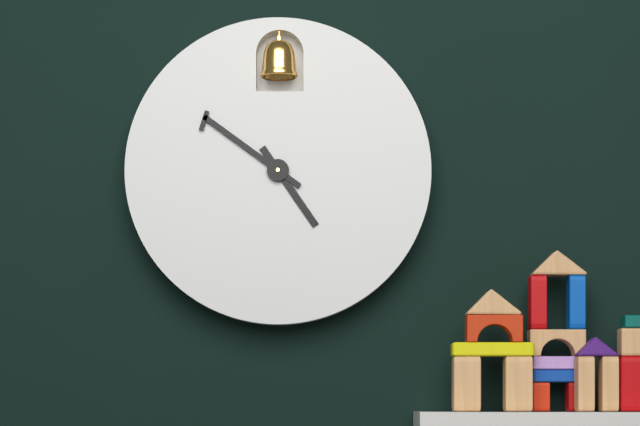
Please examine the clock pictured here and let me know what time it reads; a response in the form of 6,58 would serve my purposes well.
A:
4,51
